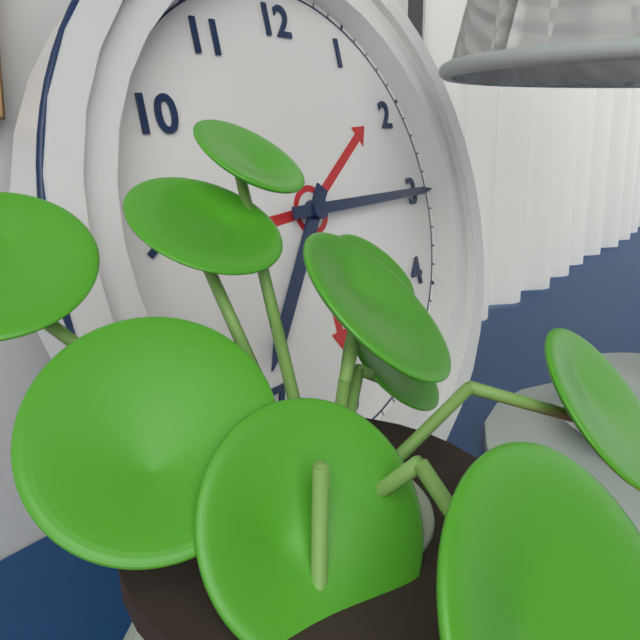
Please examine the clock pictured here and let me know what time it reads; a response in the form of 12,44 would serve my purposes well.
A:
7,15
